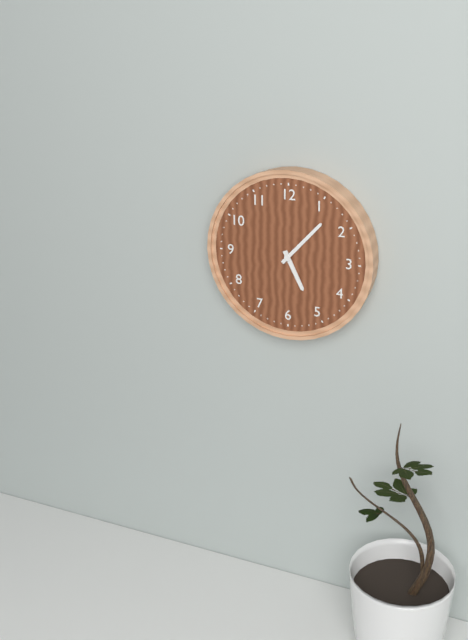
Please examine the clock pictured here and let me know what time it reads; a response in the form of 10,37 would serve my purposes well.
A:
5,07
